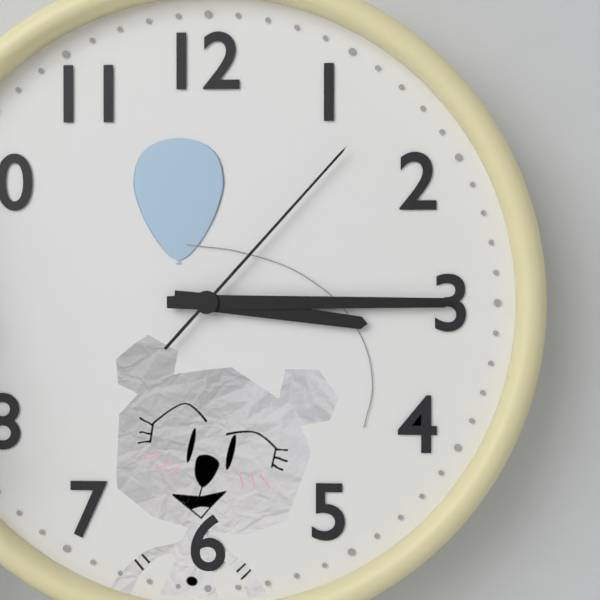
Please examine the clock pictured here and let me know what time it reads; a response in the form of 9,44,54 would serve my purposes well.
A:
3,15,07
